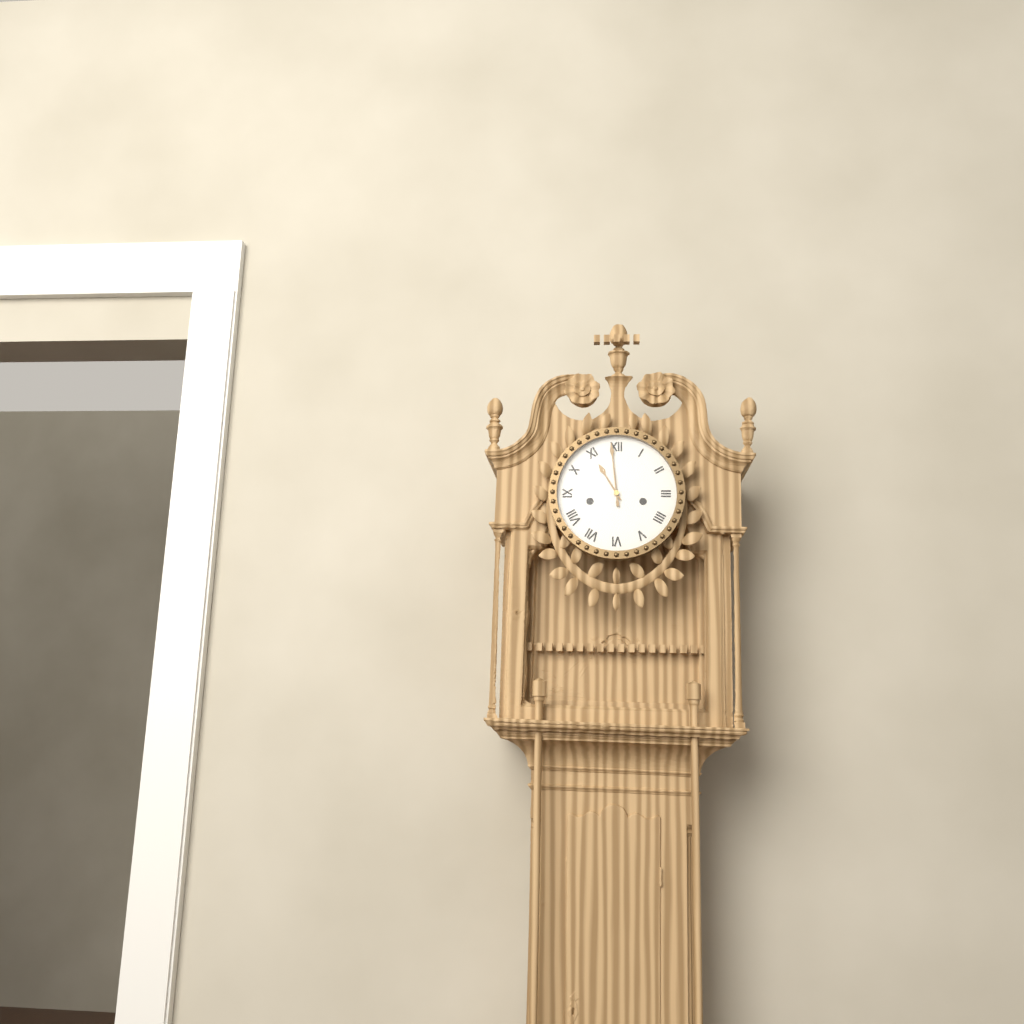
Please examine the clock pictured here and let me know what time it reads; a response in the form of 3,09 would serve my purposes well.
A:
10,59
